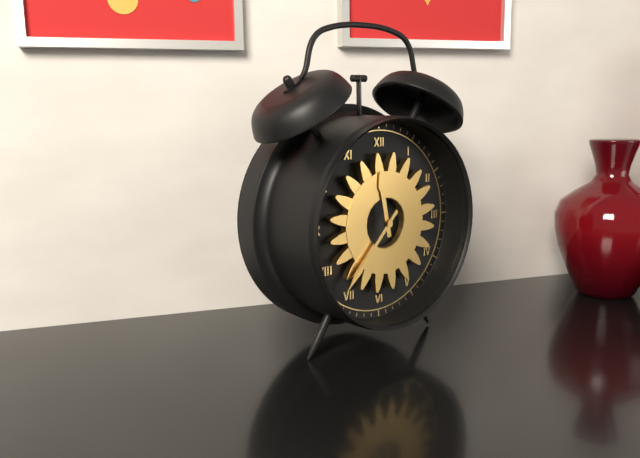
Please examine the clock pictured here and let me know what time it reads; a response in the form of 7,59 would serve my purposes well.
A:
11,37
